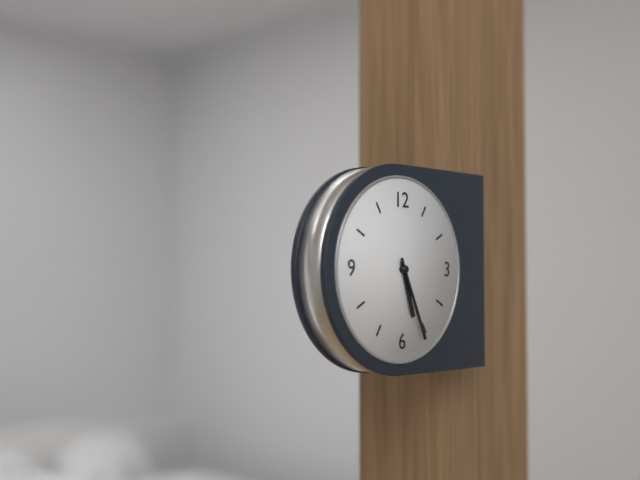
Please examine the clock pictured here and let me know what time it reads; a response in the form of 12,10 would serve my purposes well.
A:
5,26
